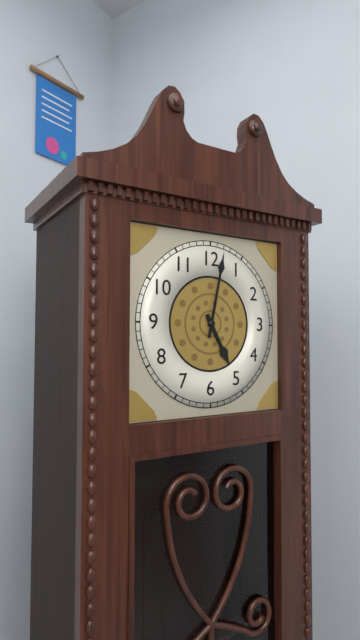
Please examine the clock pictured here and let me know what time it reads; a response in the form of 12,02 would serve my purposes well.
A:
5,02
